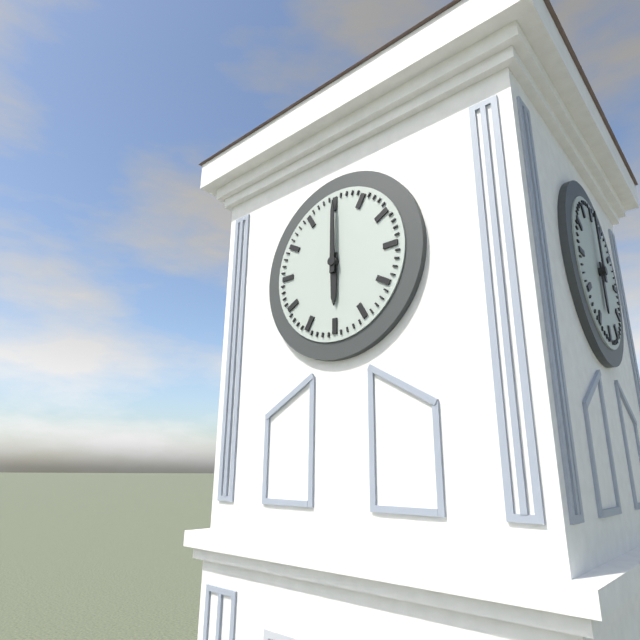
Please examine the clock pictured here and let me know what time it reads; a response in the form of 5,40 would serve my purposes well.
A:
6,00
